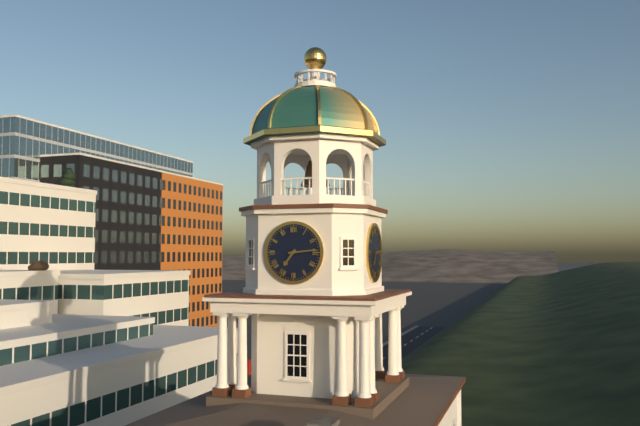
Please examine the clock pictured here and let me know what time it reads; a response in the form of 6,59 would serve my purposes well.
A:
7,14
